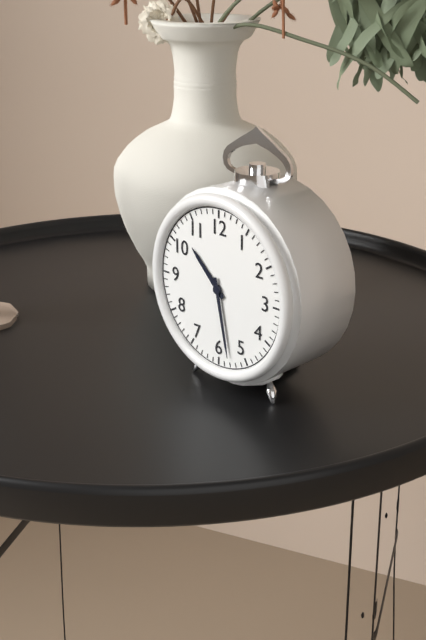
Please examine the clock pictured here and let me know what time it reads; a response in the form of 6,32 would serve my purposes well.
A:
10,28
